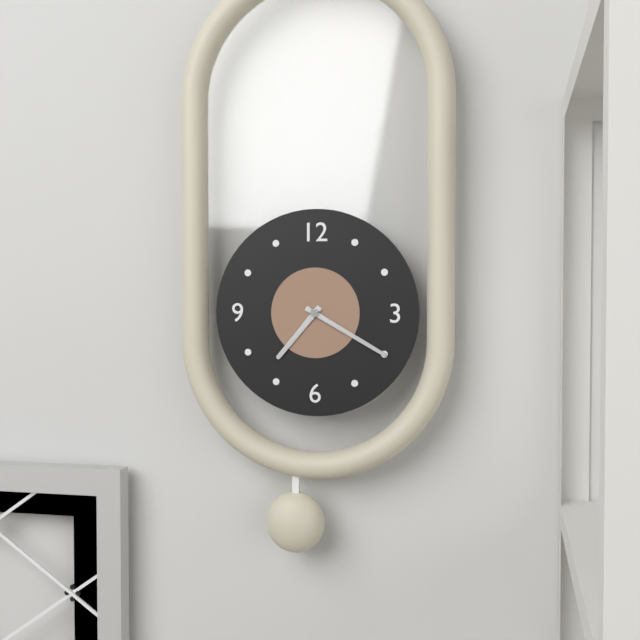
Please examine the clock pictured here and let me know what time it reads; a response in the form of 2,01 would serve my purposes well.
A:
7,20
